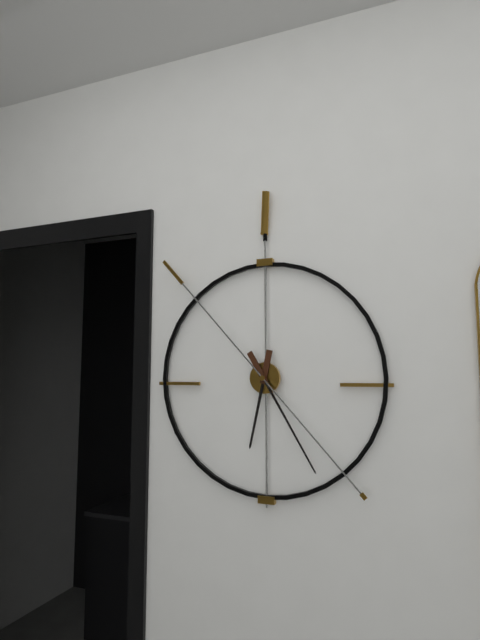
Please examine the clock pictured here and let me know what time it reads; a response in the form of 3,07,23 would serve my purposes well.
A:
6,25,53
